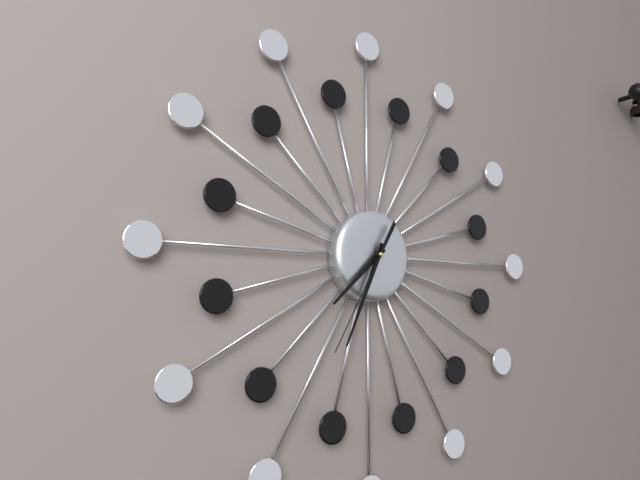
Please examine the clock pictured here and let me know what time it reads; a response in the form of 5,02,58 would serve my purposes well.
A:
7,34,35
